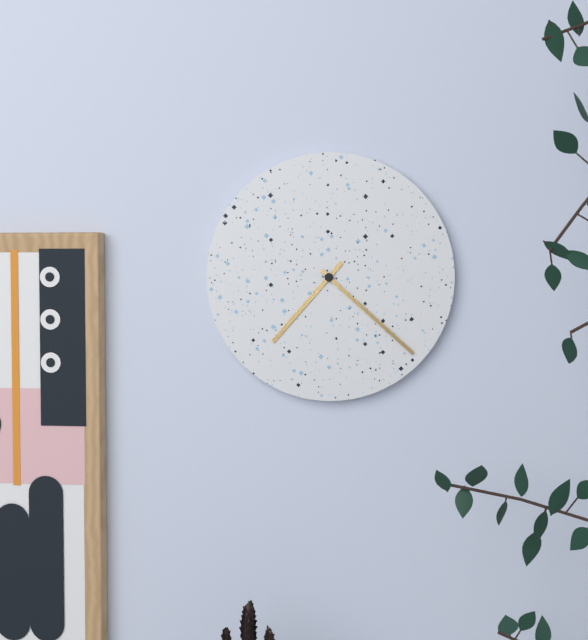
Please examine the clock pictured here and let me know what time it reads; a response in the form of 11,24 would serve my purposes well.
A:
7,22
